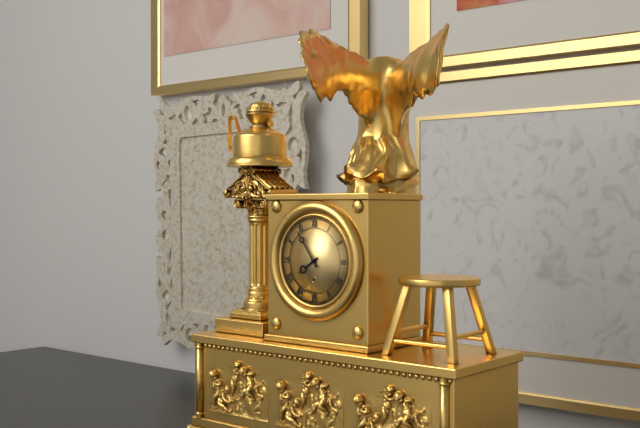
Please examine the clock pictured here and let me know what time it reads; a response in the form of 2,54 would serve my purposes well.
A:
7,54
